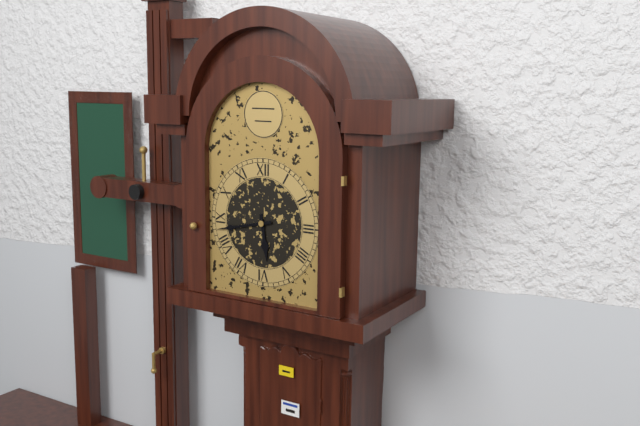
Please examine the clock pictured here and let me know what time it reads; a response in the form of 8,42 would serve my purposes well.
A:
5,43
